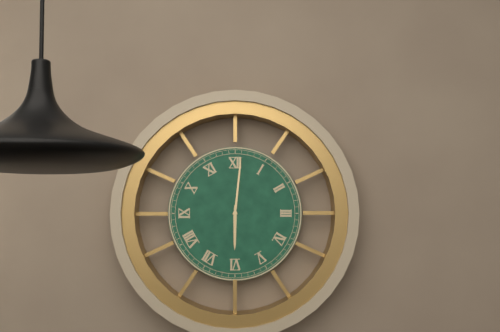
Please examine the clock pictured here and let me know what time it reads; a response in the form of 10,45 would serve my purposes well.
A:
6,01
